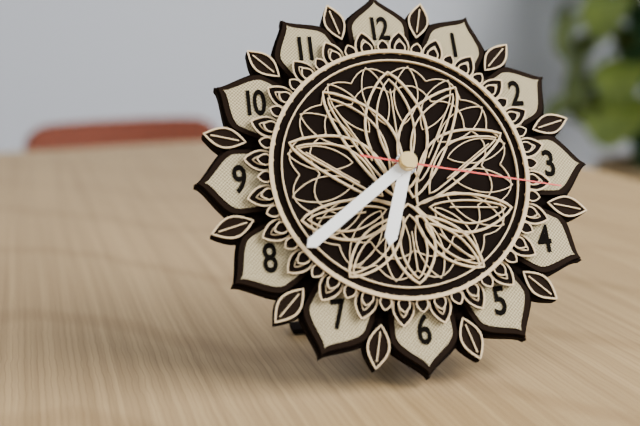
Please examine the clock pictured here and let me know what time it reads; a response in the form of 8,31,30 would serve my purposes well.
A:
6,39,17
